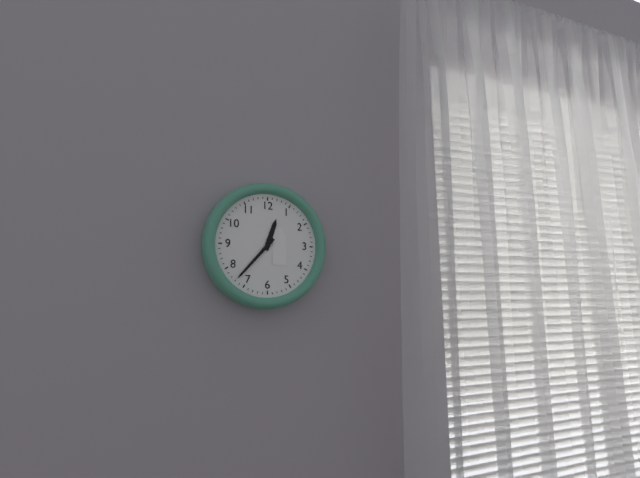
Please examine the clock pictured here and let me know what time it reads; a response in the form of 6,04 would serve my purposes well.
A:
12,37
